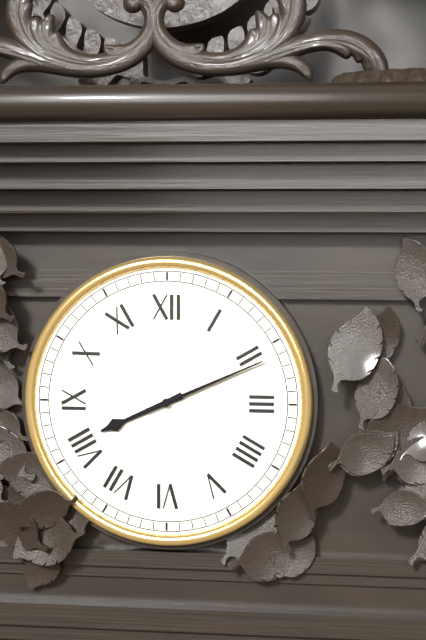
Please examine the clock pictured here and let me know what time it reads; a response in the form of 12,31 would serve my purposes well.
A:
8,11
